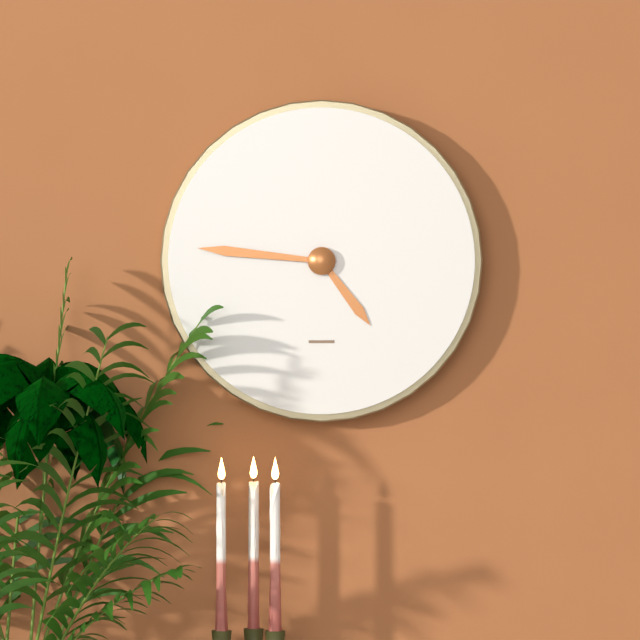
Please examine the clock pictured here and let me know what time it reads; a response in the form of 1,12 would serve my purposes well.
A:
4,46
